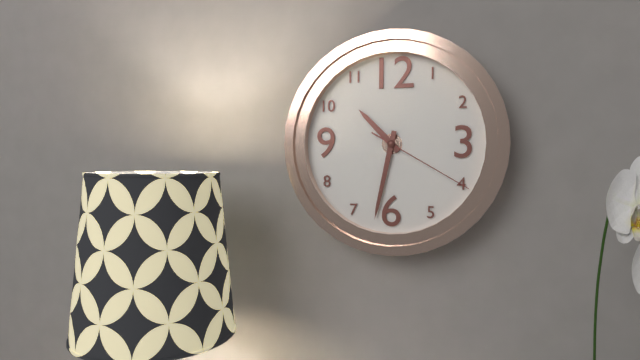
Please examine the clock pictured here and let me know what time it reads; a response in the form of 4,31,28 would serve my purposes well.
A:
10,32,20
